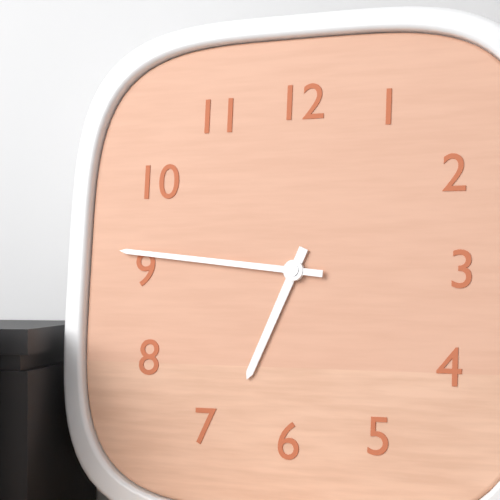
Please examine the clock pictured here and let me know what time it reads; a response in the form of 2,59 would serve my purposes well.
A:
6,46
